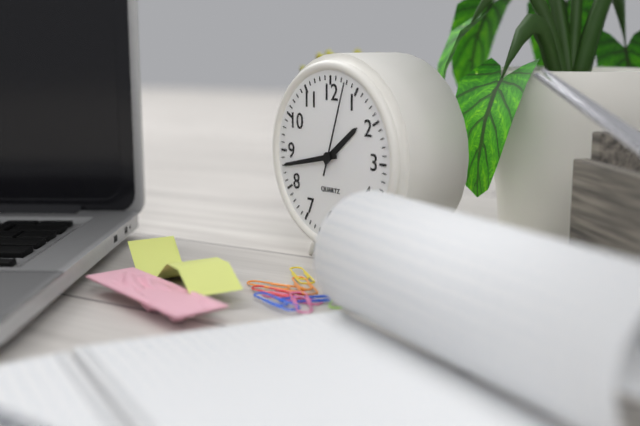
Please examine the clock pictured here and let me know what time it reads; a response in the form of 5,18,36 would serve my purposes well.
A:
1,43,03
